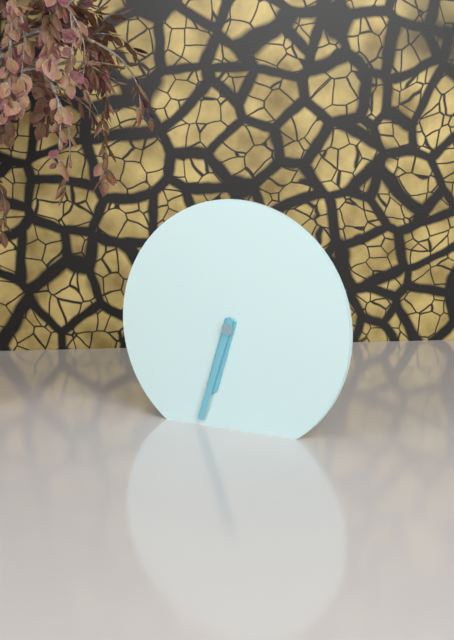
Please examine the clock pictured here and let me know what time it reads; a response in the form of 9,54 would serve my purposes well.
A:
6,33
